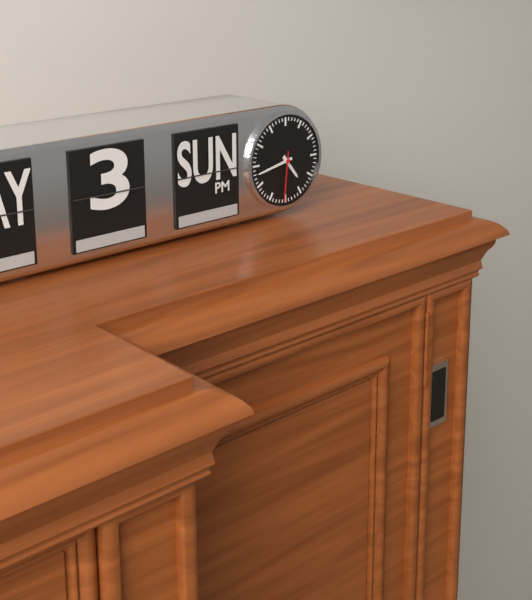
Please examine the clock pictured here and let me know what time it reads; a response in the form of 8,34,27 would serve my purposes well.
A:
4,43,31
